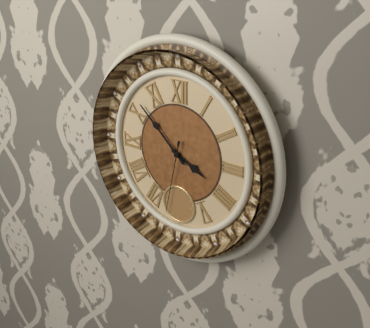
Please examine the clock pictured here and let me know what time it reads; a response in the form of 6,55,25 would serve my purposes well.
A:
3,52,32
